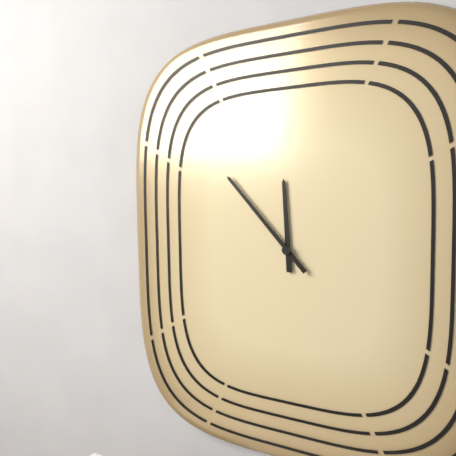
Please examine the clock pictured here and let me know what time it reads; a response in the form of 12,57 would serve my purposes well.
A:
11,53
